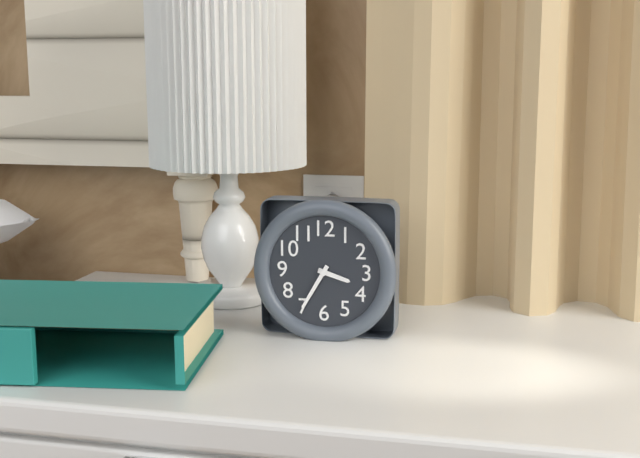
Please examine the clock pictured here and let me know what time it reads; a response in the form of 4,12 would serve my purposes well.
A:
3,35
